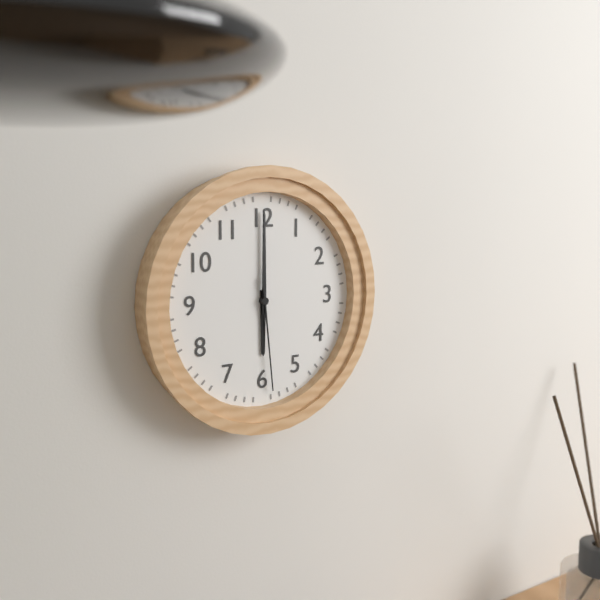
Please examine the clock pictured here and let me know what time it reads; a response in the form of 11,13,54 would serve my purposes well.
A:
6,00,29
